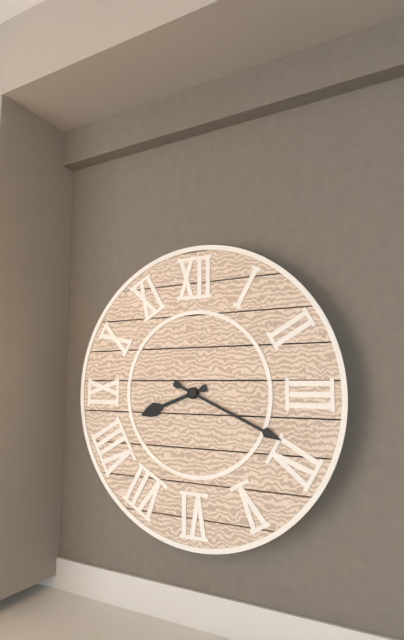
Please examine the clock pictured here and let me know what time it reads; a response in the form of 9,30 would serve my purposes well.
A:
8,19
